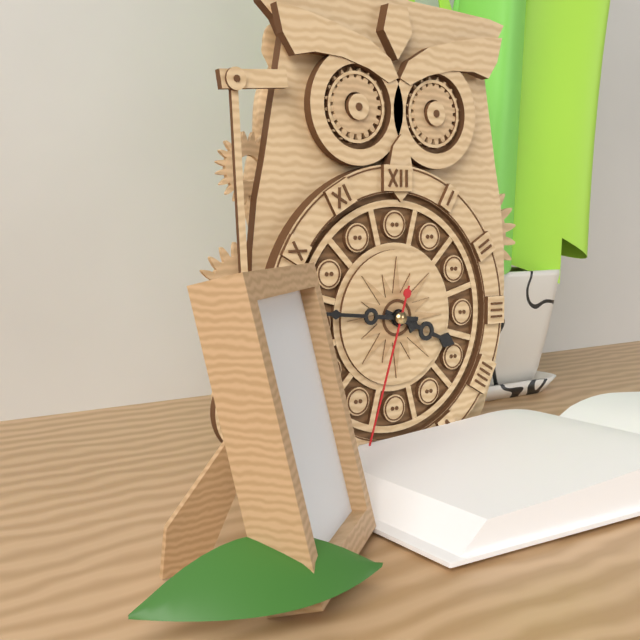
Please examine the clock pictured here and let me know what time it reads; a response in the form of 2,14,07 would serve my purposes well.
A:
3,46,33
